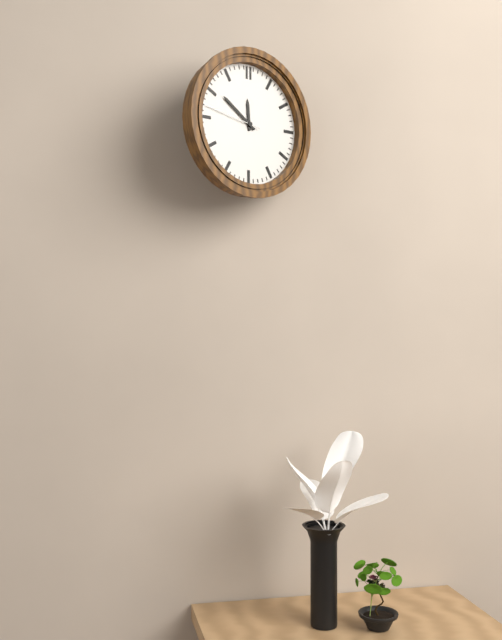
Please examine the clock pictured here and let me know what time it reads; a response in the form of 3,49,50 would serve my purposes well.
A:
11,51,47
